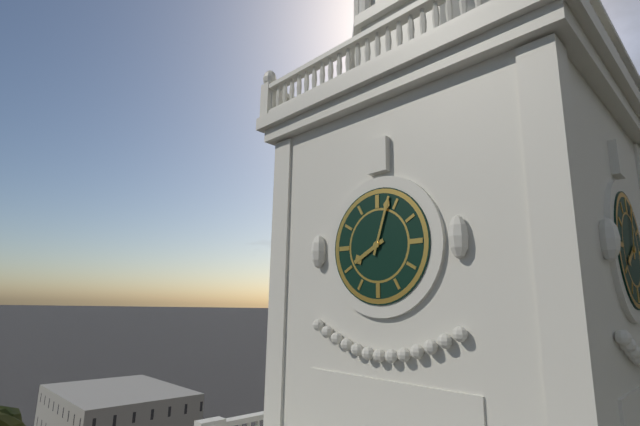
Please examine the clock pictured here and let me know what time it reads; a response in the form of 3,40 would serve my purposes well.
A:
8,03
